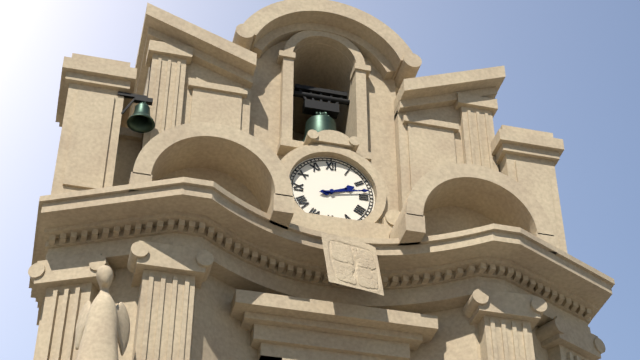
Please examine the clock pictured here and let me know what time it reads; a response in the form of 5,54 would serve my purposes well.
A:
2,13
